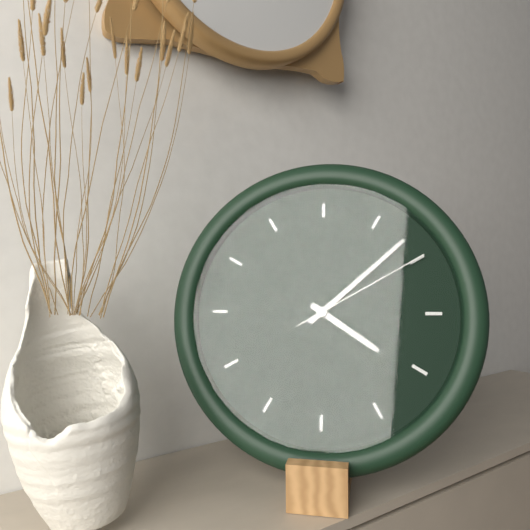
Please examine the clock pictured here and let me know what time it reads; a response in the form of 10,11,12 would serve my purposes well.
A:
4,08,10
